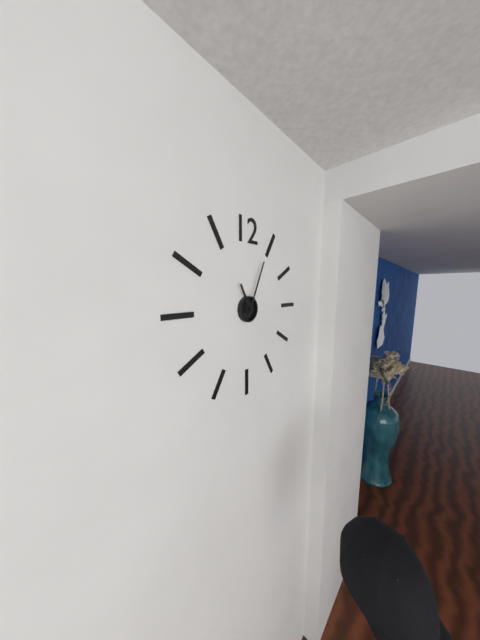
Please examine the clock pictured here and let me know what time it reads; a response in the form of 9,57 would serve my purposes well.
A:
11,04
